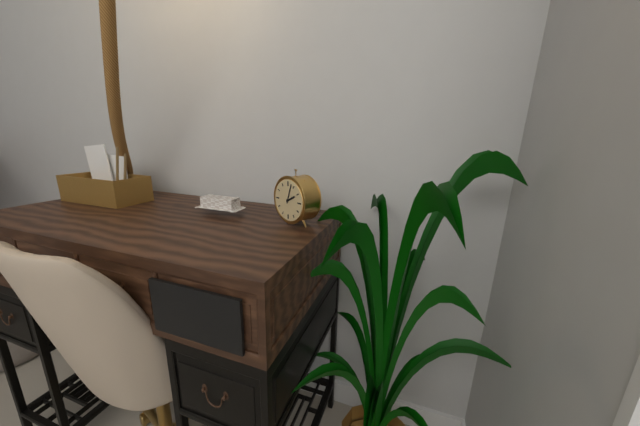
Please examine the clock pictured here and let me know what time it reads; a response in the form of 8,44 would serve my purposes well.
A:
2,03
